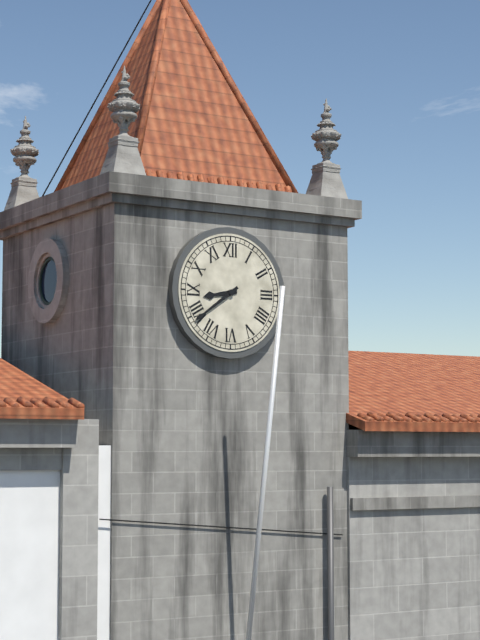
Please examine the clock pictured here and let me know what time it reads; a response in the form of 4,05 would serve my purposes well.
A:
8,39
